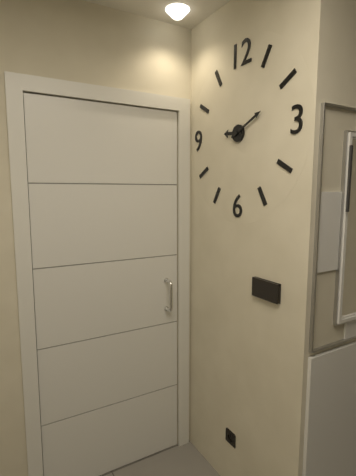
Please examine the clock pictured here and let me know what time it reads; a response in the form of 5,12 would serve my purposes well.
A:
9,11
